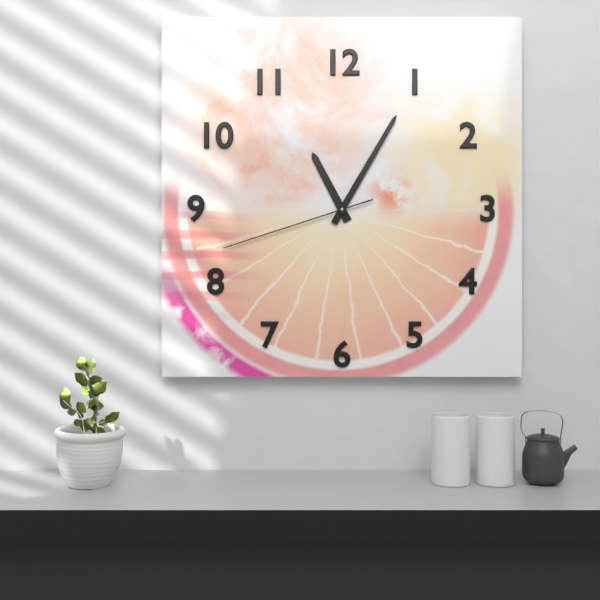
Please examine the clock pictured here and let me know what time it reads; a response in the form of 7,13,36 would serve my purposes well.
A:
11,05,42
